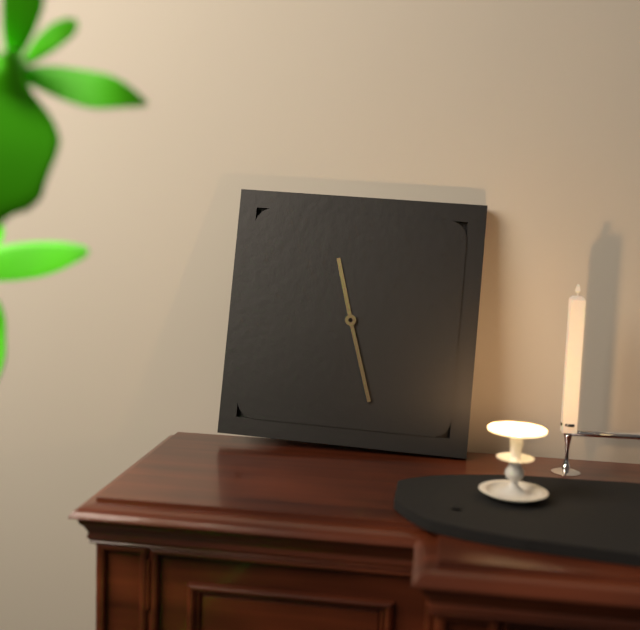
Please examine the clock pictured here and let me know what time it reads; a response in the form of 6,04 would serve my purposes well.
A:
11,27
